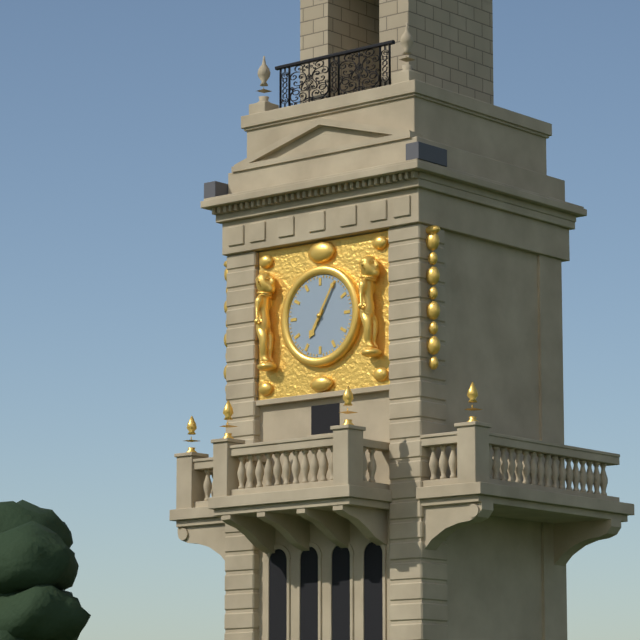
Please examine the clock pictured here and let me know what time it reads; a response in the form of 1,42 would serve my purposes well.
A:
7,05
